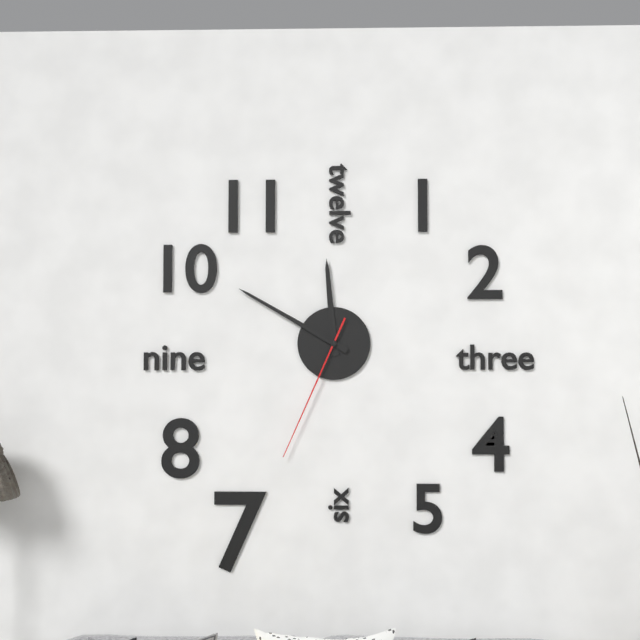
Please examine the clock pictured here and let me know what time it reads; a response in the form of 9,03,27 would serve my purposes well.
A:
11,50,34
